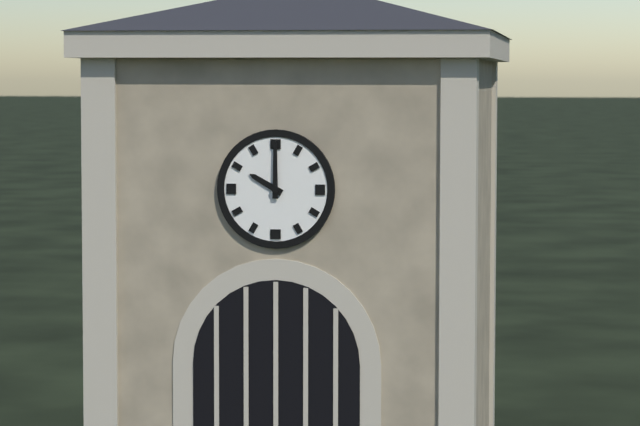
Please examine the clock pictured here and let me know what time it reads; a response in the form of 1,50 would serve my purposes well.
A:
10,00
